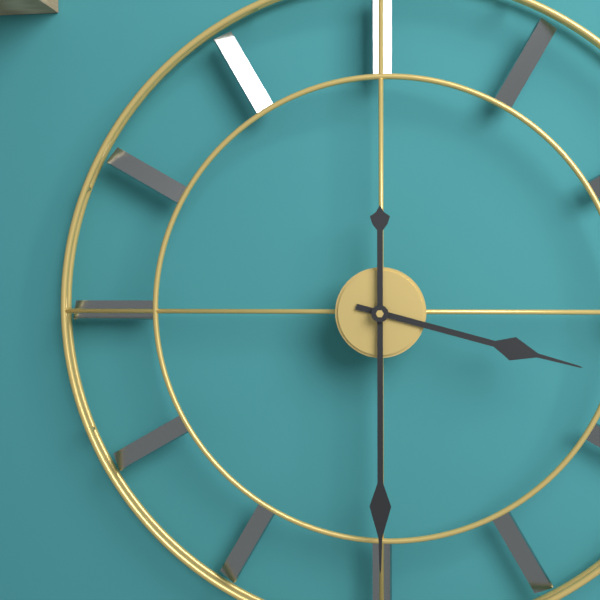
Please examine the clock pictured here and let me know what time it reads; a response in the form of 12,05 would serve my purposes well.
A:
3,30
